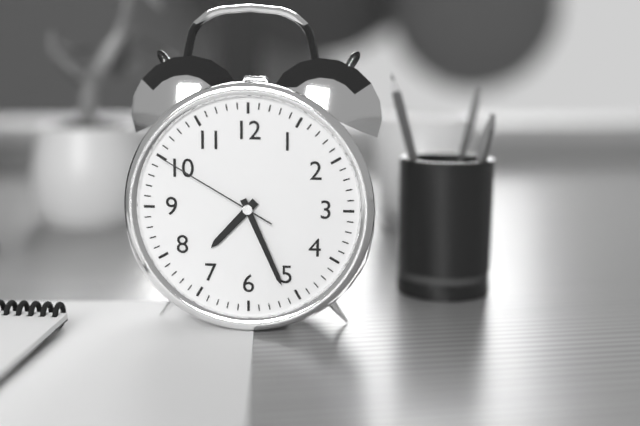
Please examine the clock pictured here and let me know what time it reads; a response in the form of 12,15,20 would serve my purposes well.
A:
7,26,50
